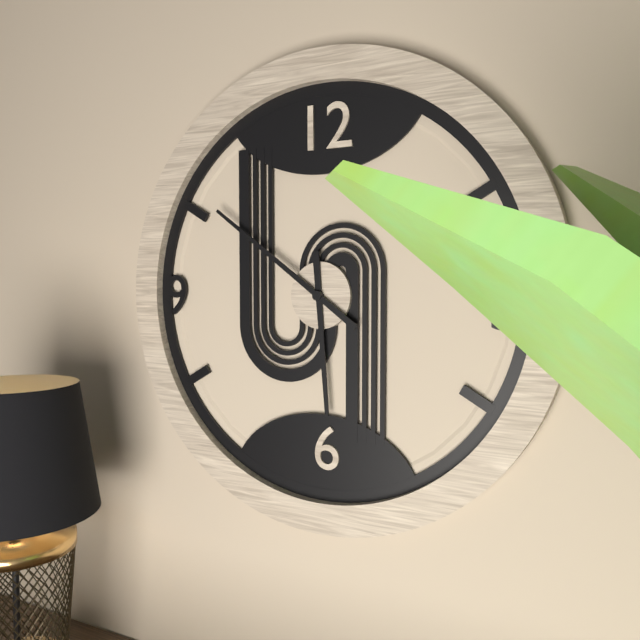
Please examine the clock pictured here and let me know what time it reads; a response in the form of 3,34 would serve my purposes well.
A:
5,51
